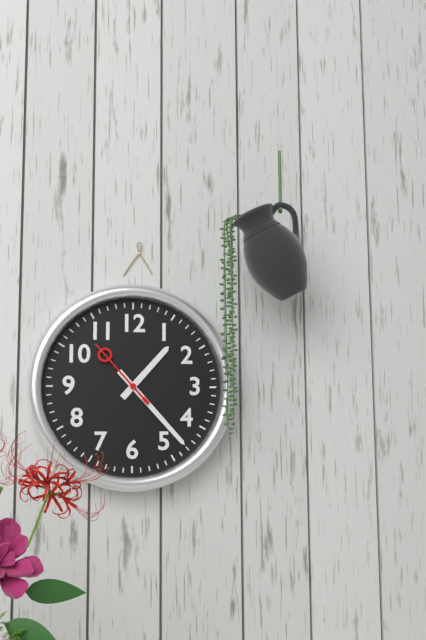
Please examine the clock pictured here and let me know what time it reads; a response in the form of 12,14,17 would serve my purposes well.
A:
1,23,53
